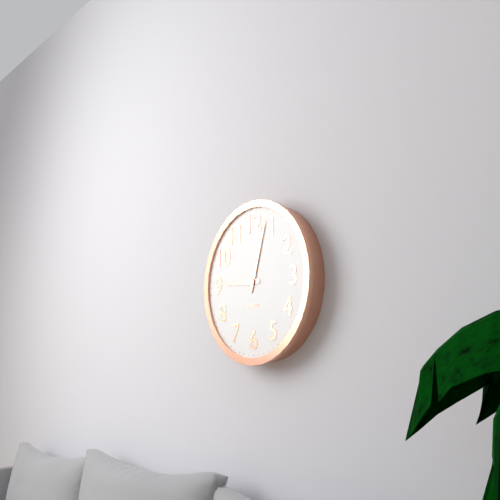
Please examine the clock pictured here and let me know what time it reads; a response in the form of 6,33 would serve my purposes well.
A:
9,03
